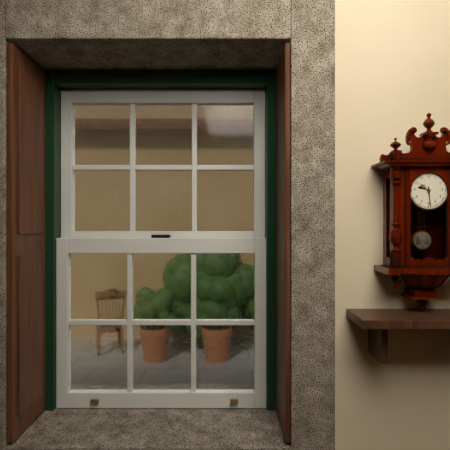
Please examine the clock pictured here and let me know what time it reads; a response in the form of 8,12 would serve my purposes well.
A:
9,29
